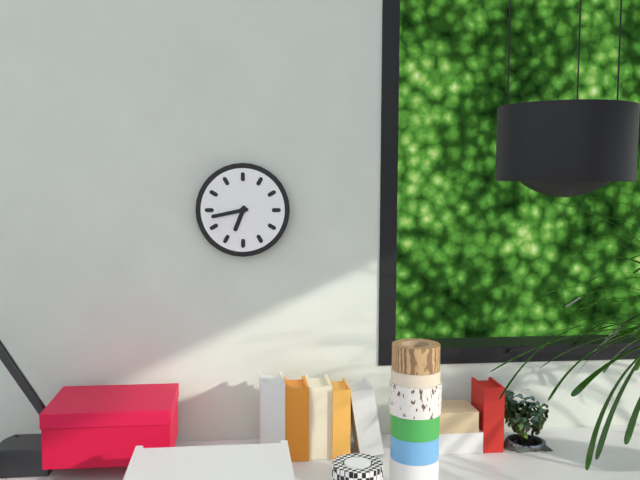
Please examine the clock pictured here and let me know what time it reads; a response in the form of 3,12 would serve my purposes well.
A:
6,43
